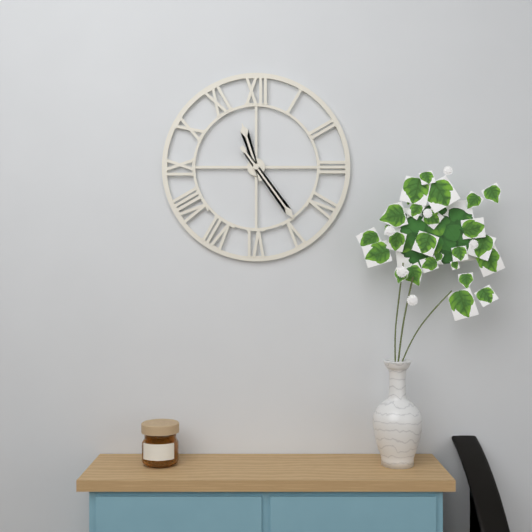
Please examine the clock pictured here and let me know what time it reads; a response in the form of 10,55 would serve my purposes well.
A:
11,24
